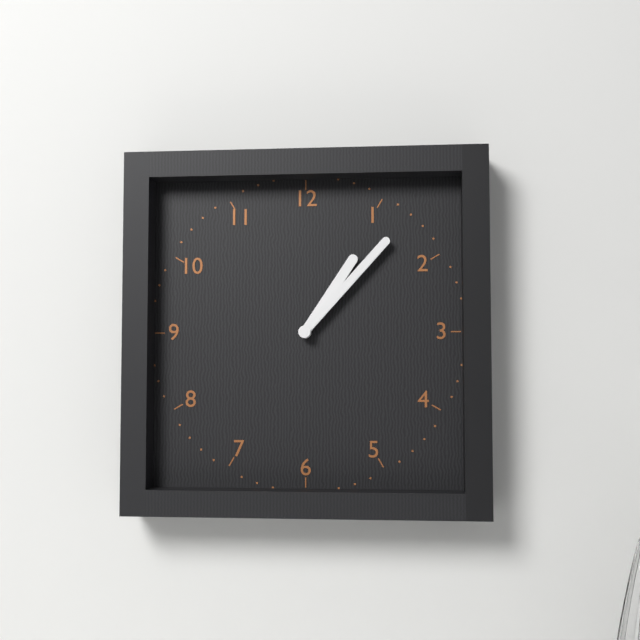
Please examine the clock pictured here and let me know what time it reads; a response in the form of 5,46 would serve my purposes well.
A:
1,07
